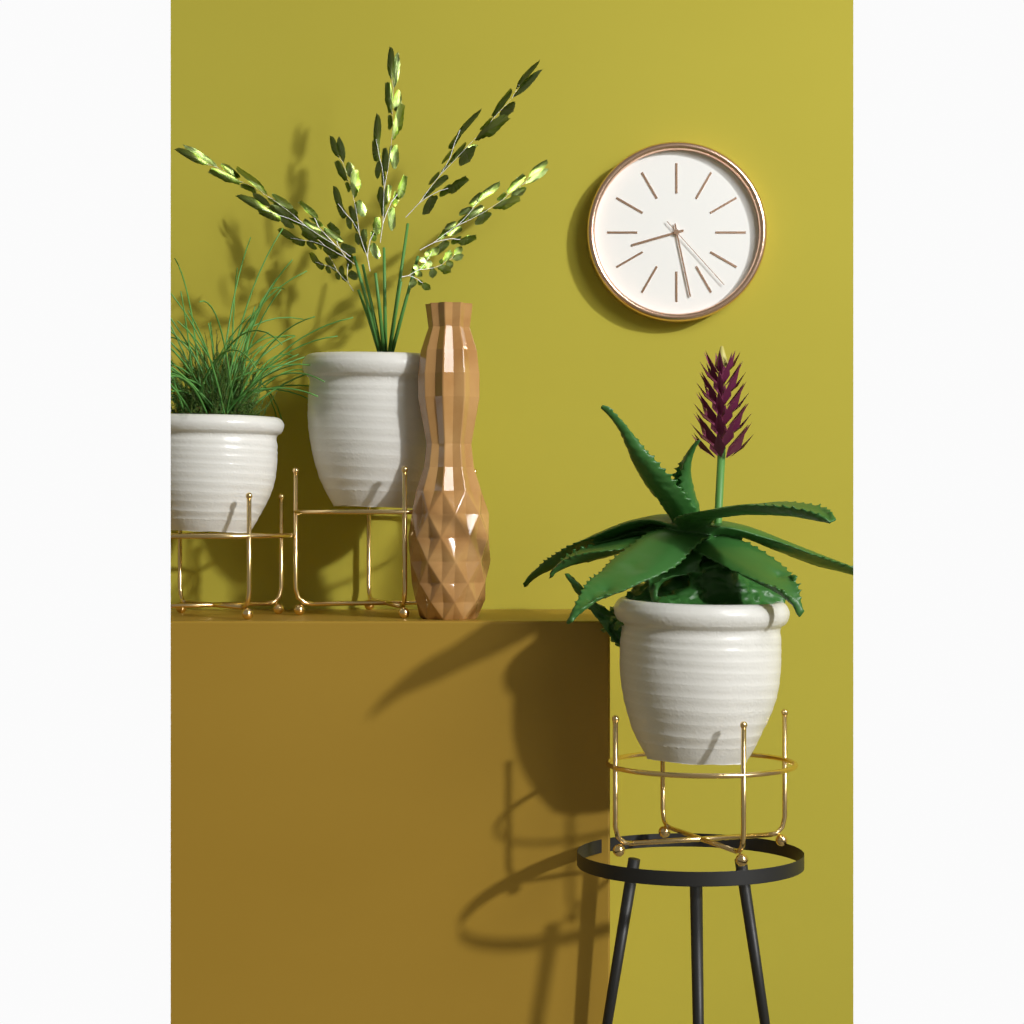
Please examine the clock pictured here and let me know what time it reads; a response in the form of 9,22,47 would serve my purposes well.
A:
8,28,23
